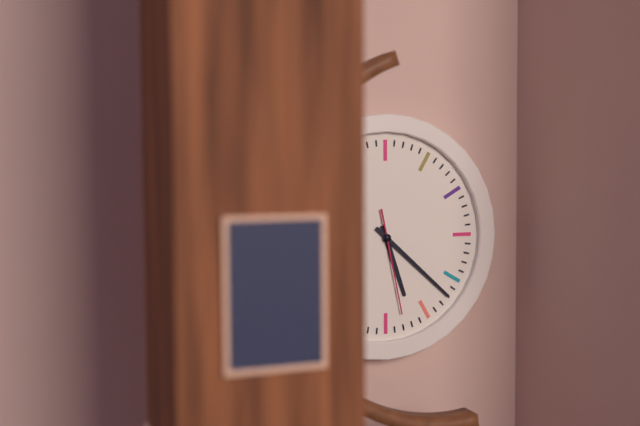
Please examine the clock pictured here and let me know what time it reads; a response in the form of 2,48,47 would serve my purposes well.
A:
5,22,28
